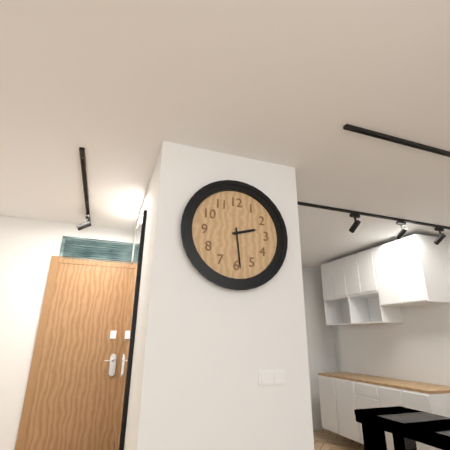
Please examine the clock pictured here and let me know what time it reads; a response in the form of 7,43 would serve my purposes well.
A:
2,29
